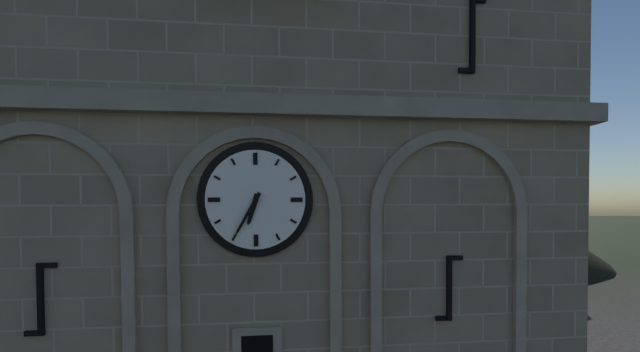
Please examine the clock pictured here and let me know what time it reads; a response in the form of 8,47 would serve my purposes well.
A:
6,35
